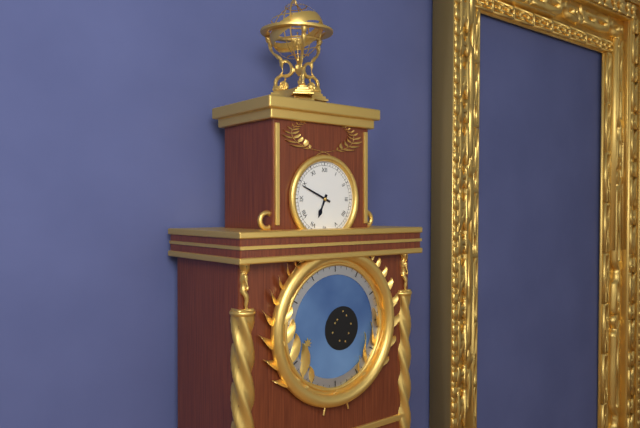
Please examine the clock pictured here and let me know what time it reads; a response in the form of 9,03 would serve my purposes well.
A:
6,49
